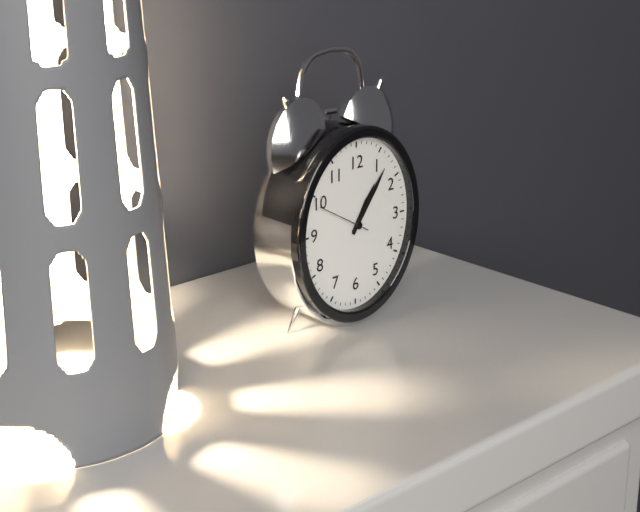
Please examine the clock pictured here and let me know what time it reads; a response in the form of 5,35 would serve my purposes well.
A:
1,06
